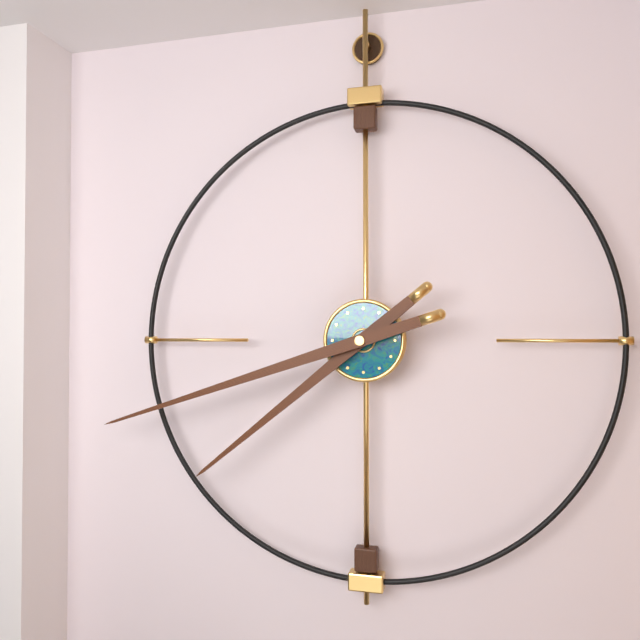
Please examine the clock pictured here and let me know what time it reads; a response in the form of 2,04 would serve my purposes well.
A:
7,42
